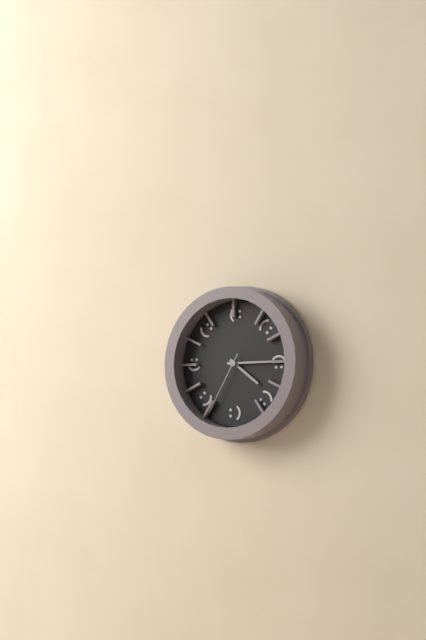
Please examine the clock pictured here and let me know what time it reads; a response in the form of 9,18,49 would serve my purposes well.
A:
4,15,35
